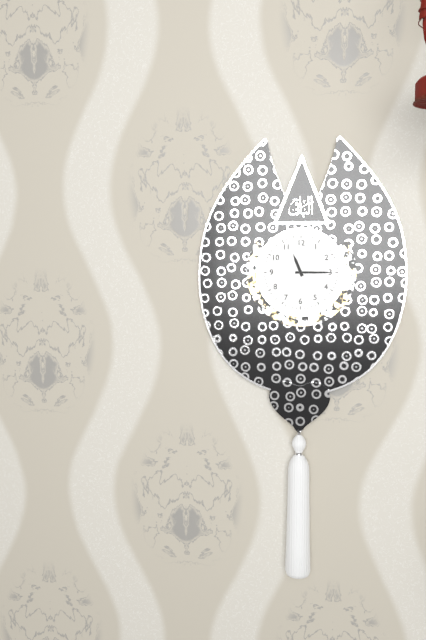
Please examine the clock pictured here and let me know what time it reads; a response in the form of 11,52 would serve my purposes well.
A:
11,15
